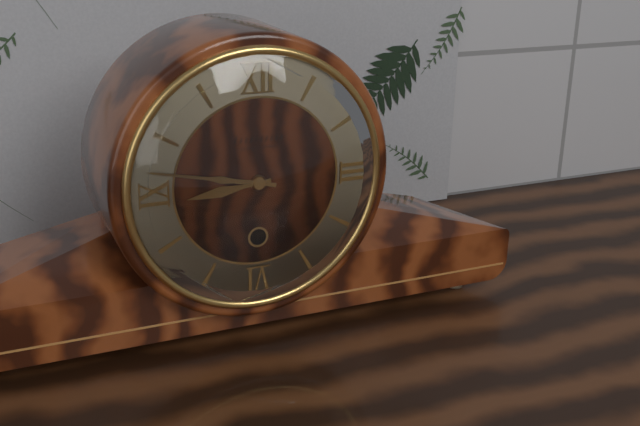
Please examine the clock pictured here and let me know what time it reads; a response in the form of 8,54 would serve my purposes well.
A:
8,47
